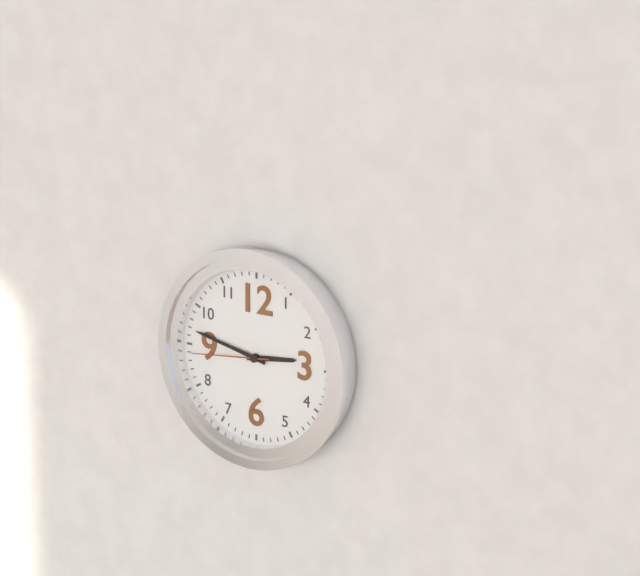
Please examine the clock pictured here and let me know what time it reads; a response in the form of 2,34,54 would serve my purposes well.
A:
2,47,44
